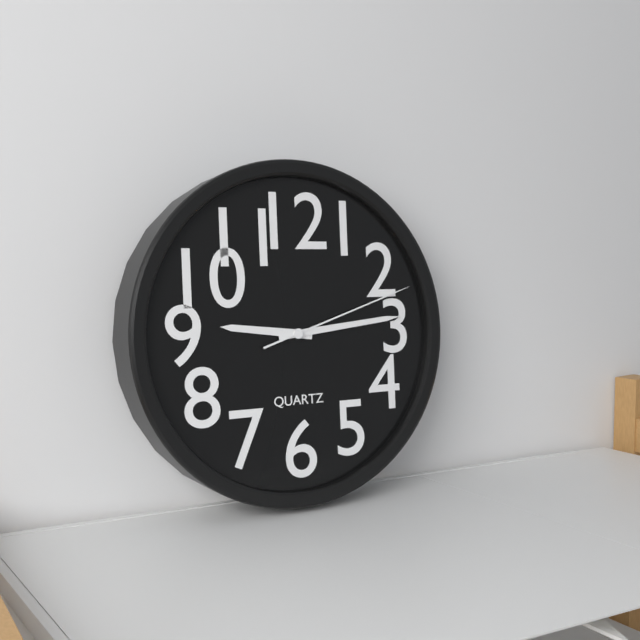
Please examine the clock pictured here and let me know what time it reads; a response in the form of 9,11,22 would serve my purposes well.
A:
9,14,12
